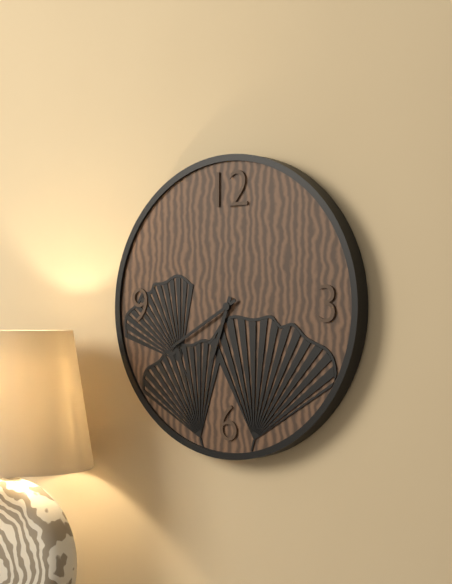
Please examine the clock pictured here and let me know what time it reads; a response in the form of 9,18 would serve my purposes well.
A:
6,40
